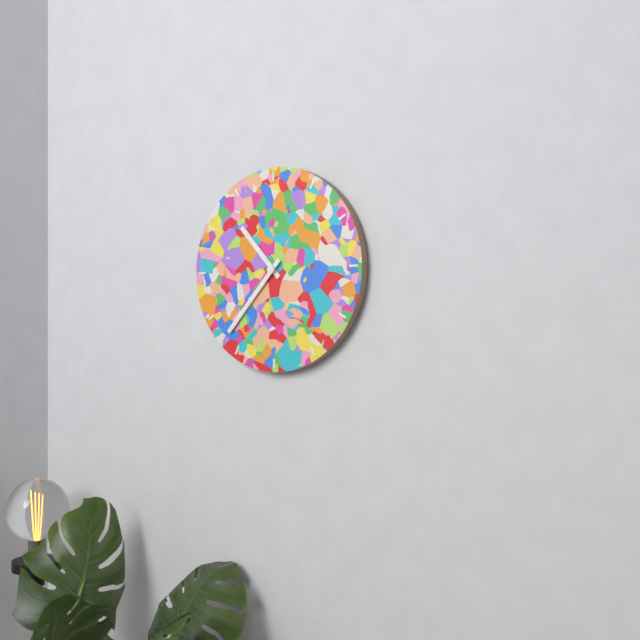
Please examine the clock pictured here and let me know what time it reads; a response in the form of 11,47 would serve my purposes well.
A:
10,37
